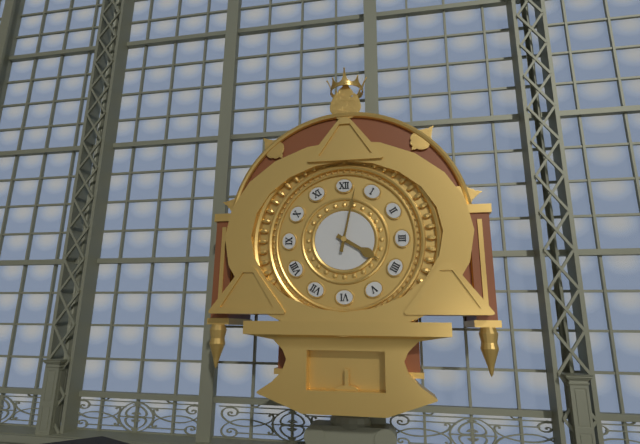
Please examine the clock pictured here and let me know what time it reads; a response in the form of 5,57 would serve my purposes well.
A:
4,02
